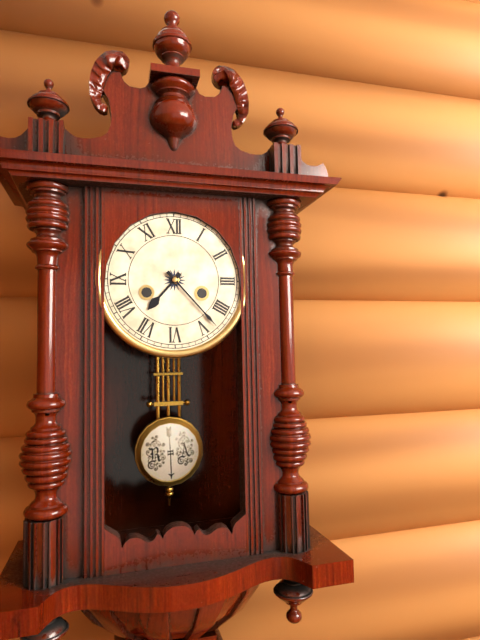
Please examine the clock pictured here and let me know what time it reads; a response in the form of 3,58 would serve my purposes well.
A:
7,23
